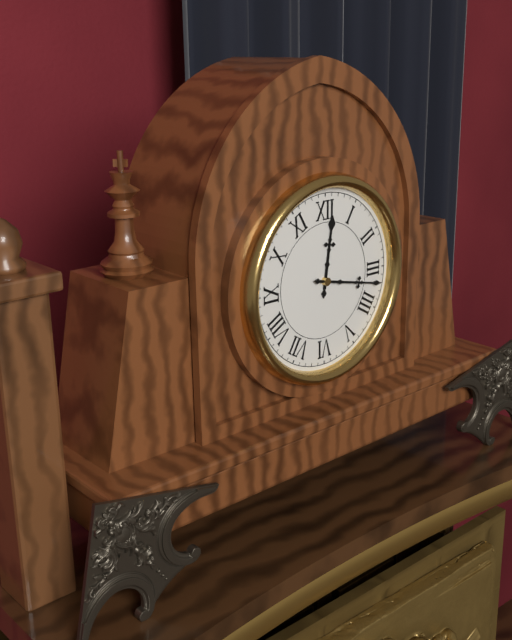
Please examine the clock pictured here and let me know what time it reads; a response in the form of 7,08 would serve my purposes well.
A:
12,17
